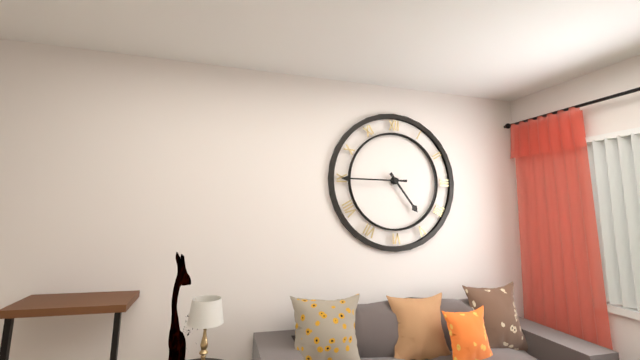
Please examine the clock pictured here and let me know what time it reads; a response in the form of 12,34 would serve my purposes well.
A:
4,45
